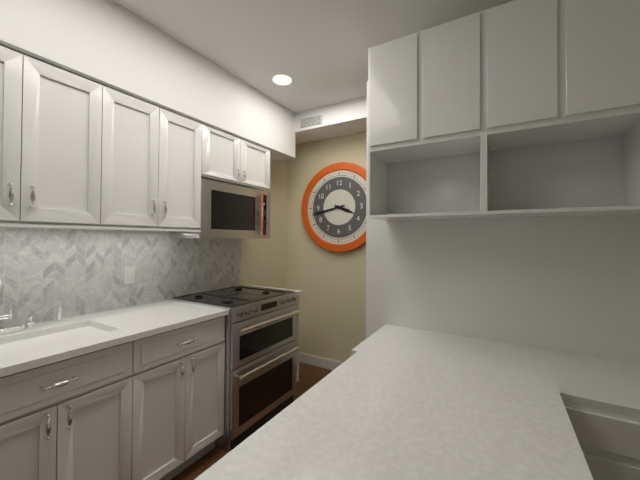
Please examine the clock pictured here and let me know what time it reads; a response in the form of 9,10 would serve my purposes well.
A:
3,43
